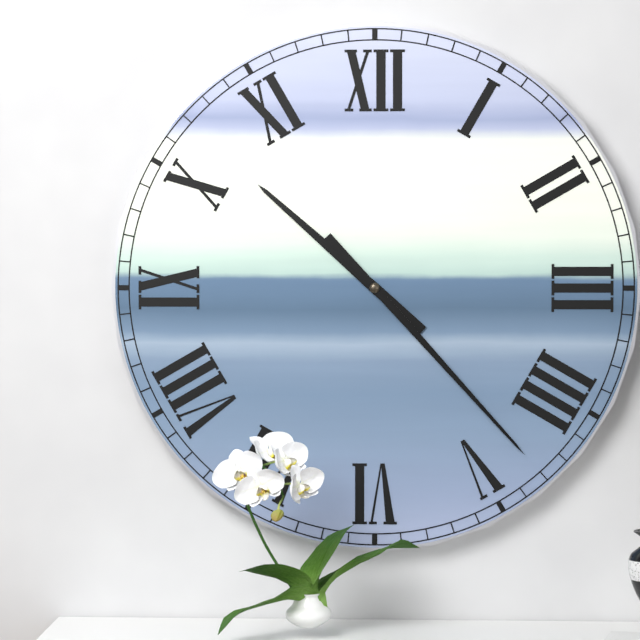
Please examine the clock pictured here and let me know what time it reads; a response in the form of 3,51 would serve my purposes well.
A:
10,23
